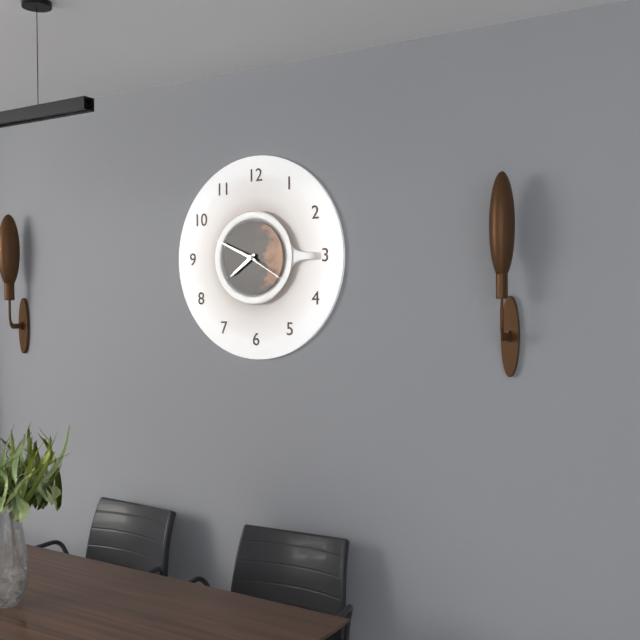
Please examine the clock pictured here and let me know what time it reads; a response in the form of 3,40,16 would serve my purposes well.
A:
7,49,20
